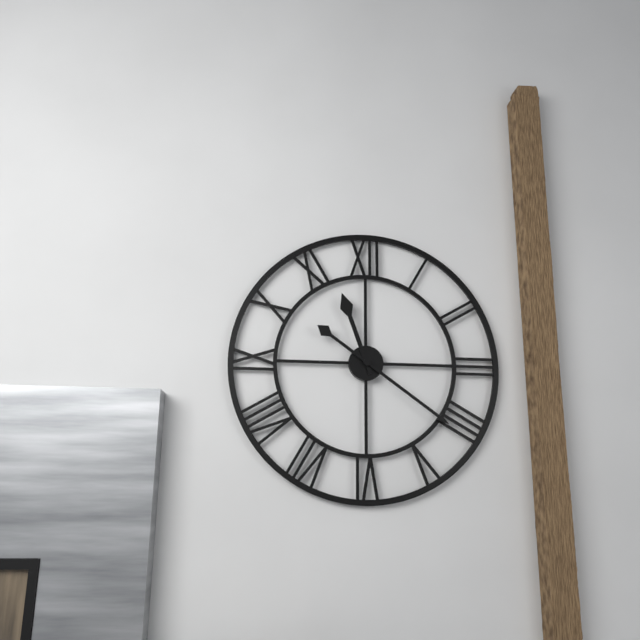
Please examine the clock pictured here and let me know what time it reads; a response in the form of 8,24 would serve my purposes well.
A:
11,21
